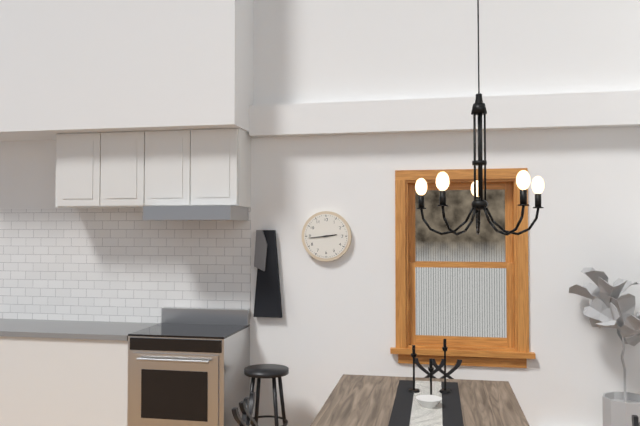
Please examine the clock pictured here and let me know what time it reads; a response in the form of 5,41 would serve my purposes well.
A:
2,44
